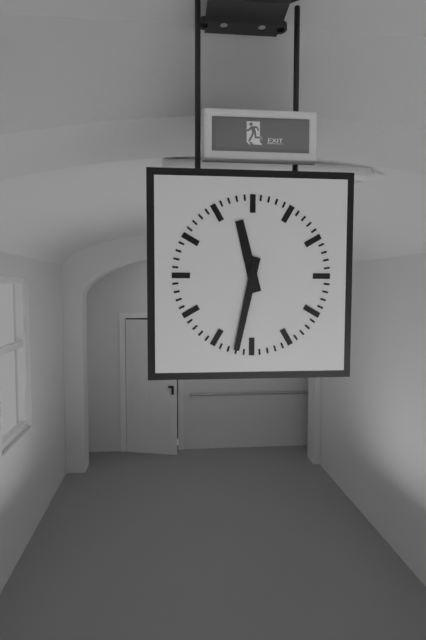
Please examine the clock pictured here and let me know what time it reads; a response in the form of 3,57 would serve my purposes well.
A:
11,32
